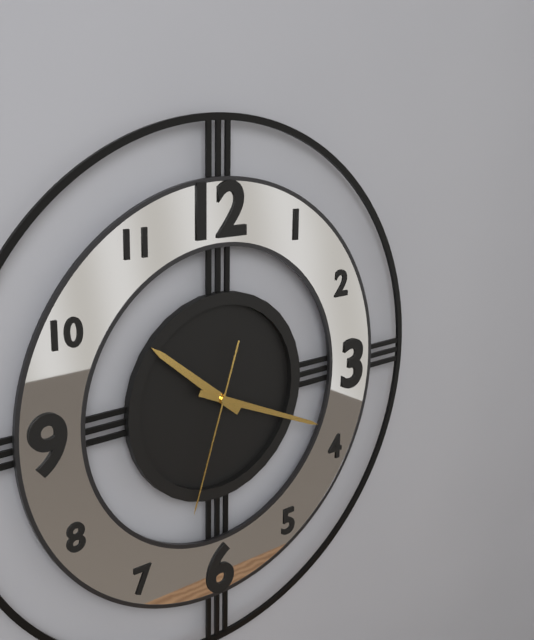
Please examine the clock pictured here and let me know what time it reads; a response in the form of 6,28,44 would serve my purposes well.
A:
10,19,33
